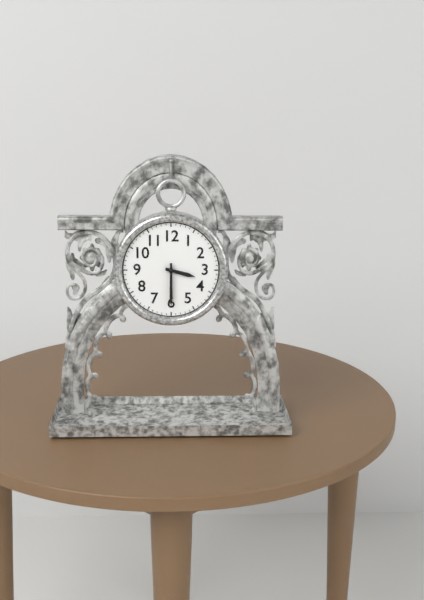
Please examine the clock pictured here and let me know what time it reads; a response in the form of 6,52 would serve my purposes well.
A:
3,30
